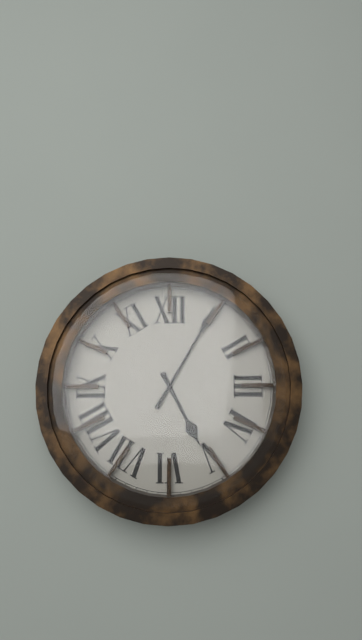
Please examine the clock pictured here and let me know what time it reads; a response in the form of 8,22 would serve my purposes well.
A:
5,05
